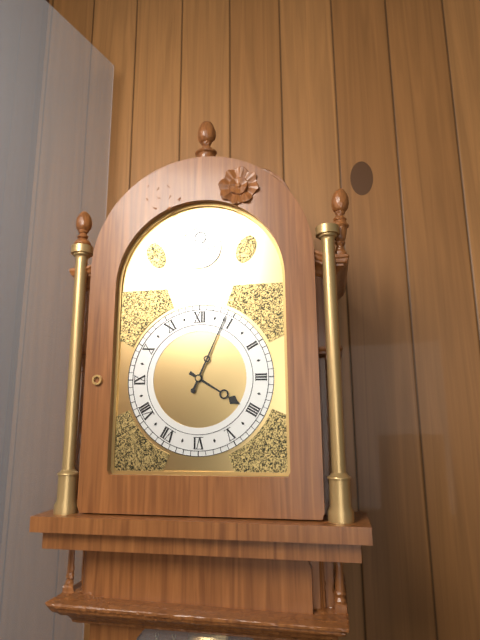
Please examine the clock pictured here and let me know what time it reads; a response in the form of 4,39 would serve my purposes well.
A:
4,04
